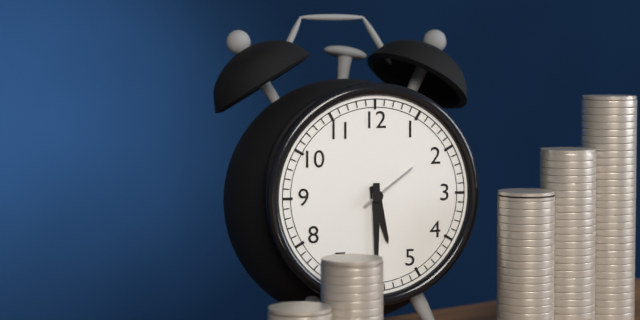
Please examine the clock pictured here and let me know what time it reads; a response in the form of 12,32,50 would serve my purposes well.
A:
5,30,09
